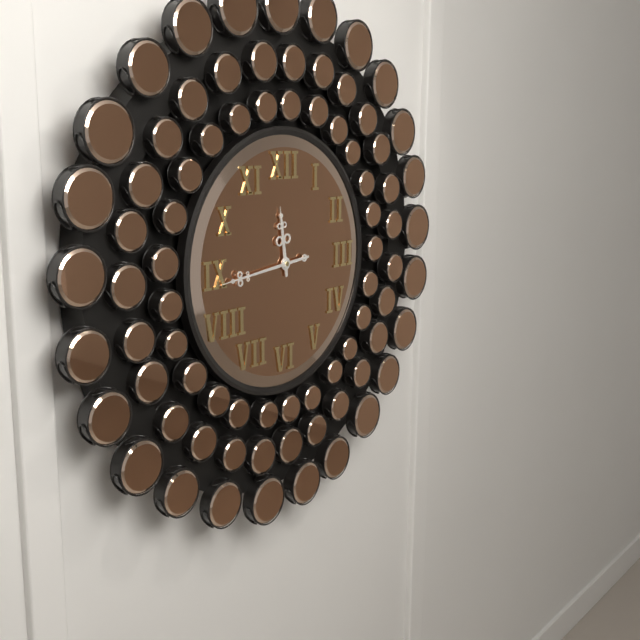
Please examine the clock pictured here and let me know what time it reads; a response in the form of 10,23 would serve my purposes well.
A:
11,44
